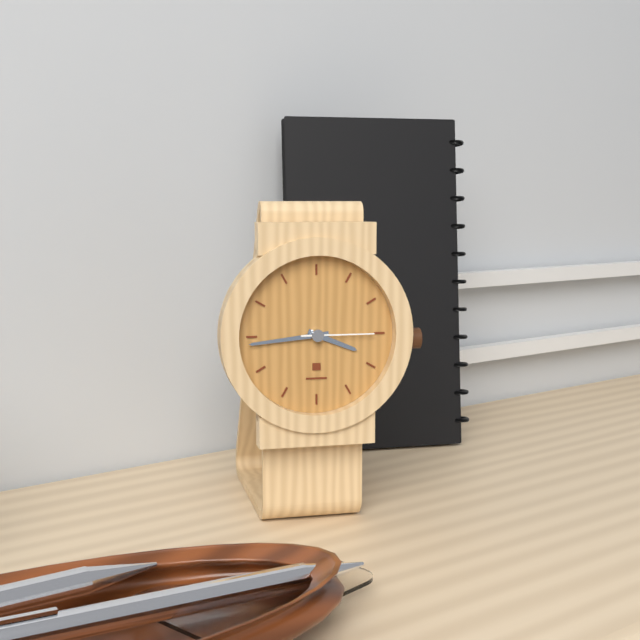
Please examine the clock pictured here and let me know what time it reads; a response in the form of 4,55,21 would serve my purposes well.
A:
3,44,15
